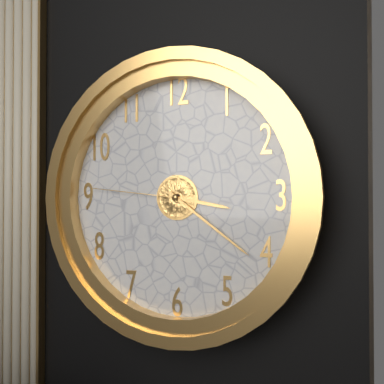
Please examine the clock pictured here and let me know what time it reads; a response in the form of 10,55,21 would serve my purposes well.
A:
3,21,46
